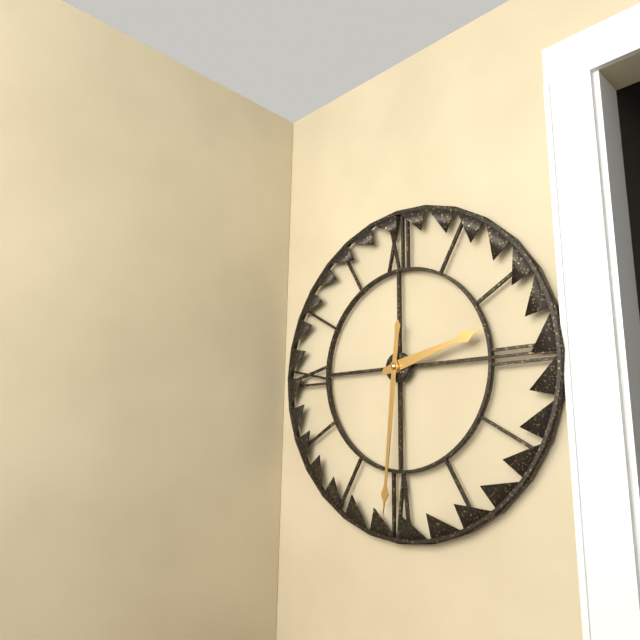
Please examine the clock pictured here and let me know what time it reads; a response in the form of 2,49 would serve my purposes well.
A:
2,31
